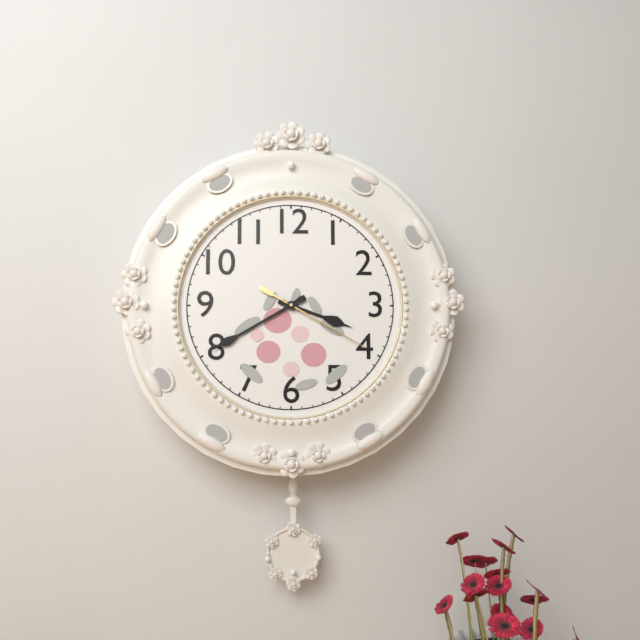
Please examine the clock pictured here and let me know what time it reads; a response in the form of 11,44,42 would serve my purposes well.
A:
3,40,20
